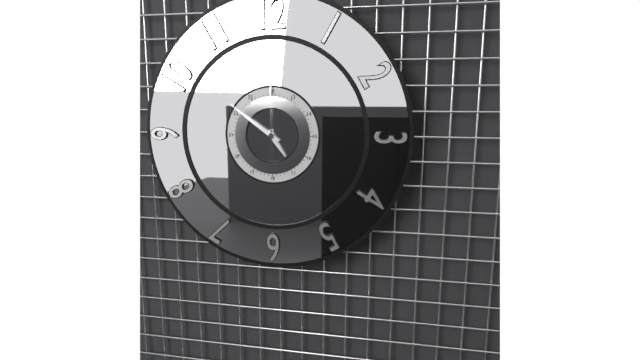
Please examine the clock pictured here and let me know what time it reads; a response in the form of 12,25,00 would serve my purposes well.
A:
4,51,00
